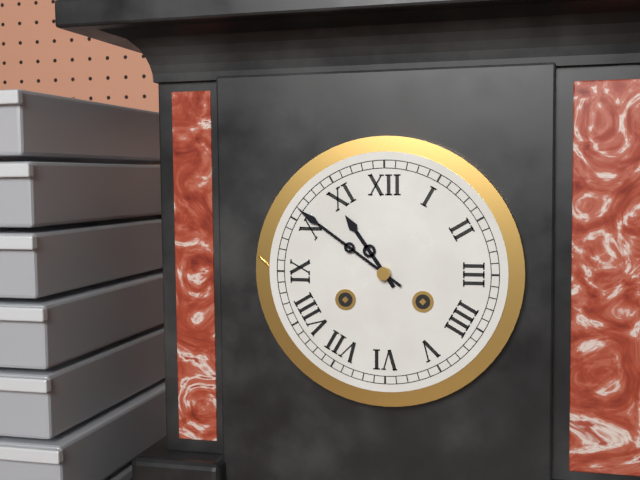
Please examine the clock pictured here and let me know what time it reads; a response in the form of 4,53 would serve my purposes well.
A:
10,51
